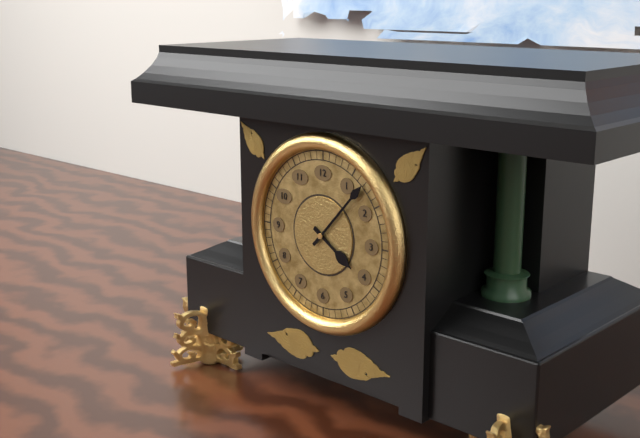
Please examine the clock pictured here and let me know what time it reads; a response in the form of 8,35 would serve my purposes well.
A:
4,07
